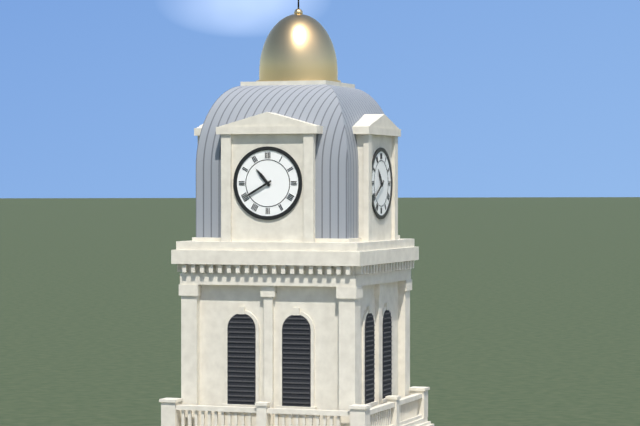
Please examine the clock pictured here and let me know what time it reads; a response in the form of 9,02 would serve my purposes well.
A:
10,40
